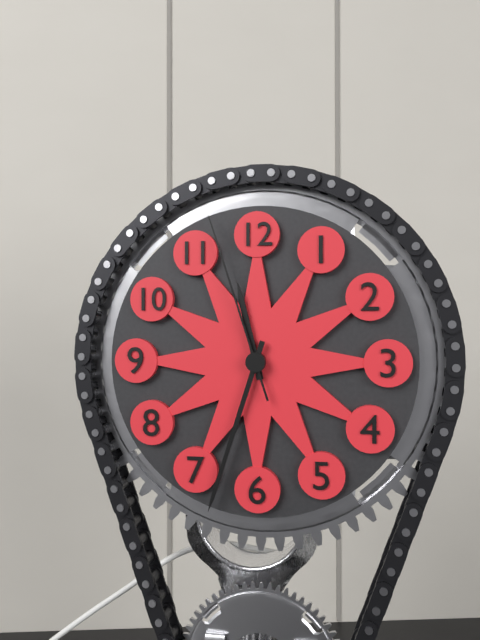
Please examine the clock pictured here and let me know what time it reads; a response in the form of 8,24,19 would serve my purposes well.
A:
11,33,57
